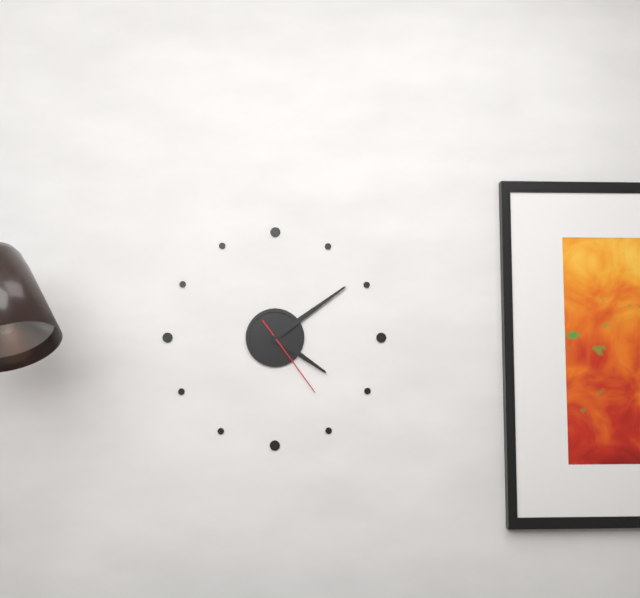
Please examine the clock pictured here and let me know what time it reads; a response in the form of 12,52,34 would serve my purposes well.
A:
4,09,24
